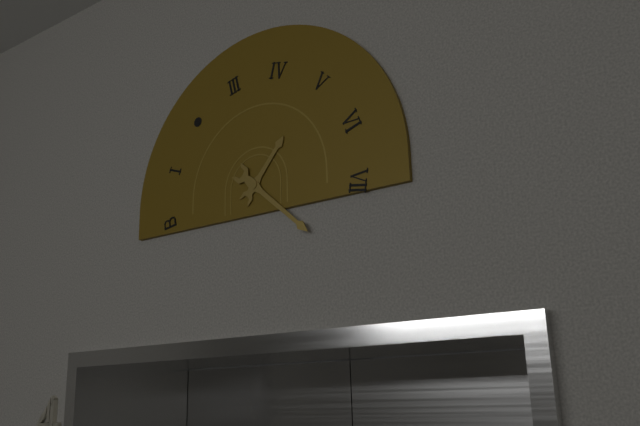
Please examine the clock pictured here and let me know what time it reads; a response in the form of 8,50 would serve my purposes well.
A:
1,22
